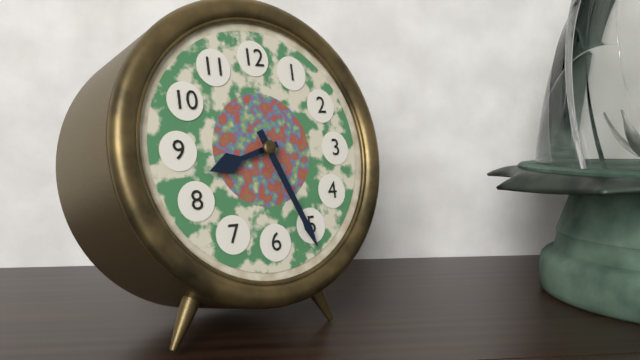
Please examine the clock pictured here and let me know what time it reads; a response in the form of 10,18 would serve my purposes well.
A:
8,26
